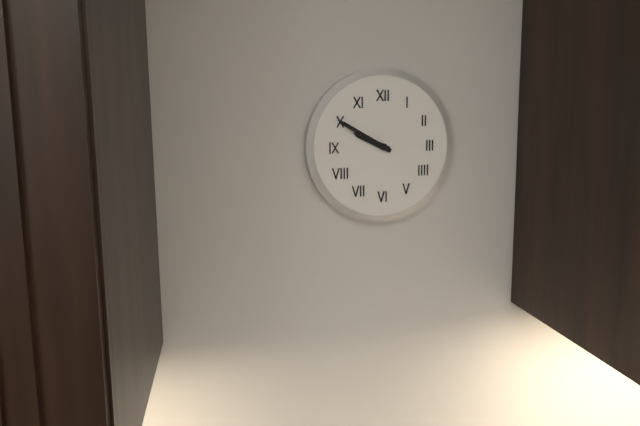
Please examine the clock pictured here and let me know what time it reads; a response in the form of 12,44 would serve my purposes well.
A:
9,50
